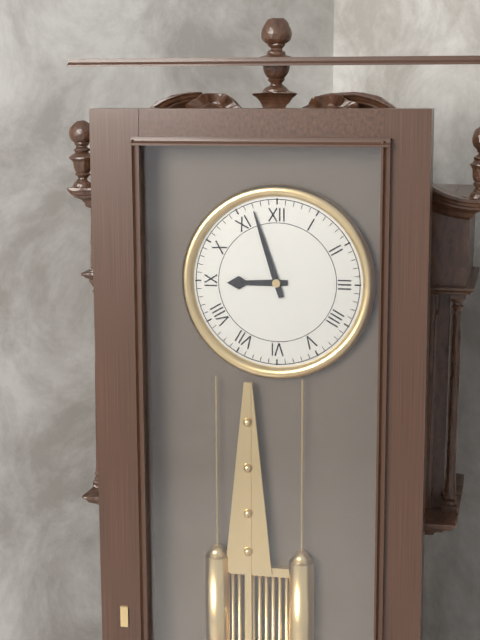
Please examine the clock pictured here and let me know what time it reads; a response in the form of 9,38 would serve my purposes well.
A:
8,57
